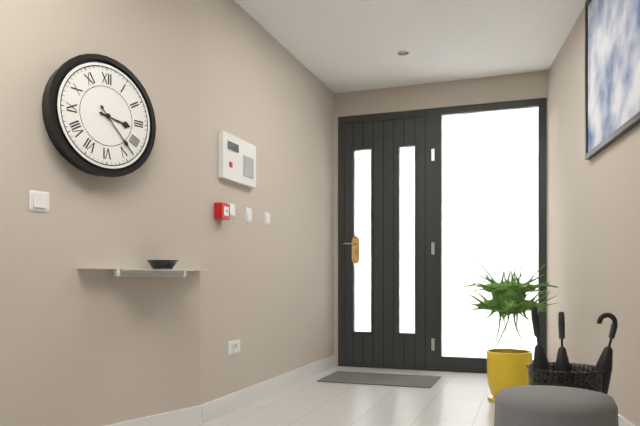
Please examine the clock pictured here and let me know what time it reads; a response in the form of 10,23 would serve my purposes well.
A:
3,23
